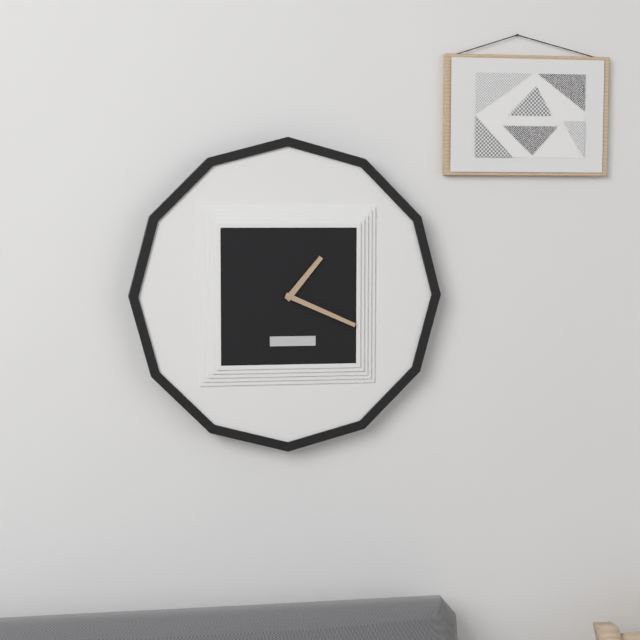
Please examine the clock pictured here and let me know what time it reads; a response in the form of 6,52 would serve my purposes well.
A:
1,19
